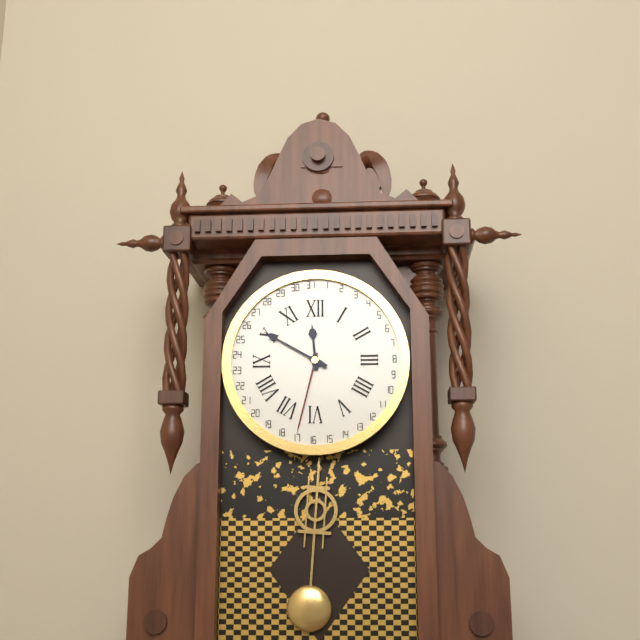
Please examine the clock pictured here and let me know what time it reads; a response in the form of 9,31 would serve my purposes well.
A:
11,50
